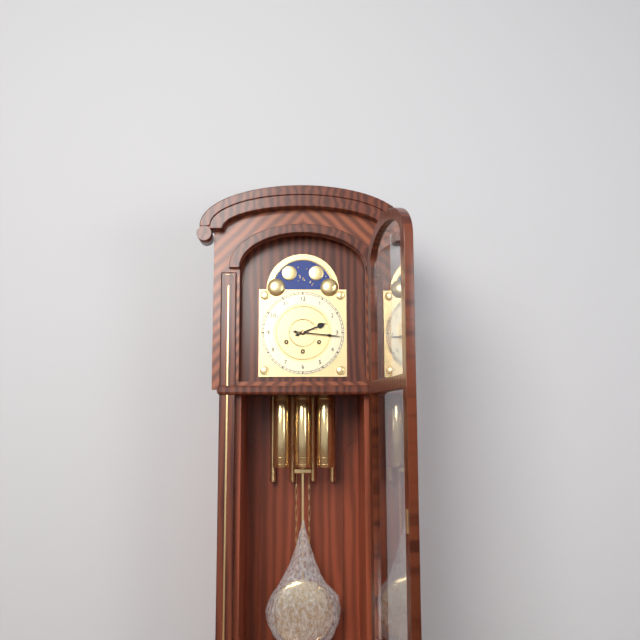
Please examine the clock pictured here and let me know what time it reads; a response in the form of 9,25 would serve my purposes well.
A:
2,16
